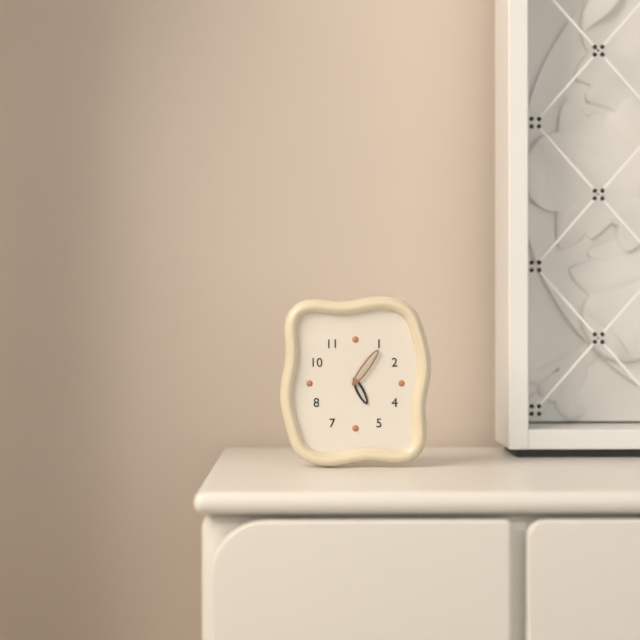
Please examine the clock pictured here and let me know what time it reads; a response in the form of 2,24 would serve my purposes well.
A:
5,06
